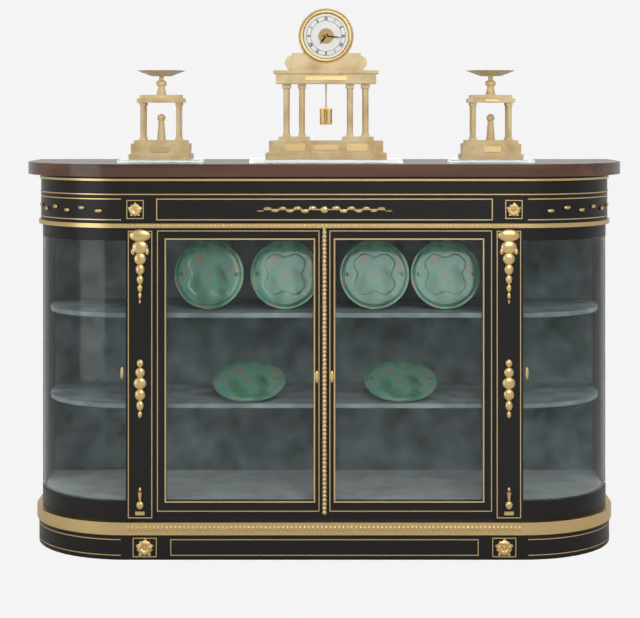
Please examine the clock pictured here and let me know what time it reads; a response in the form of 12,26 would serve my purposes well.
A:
7,16
